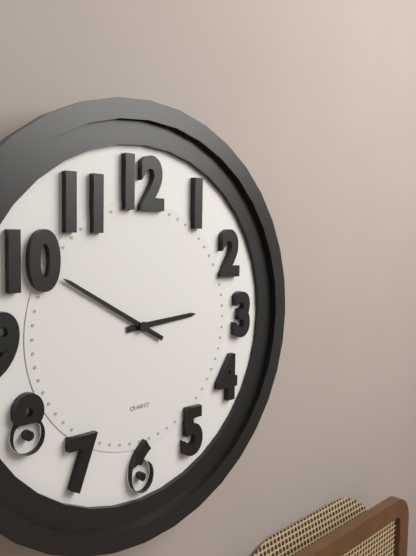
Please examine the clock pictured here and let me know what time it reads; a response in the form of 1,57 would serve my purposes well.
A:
2,50
